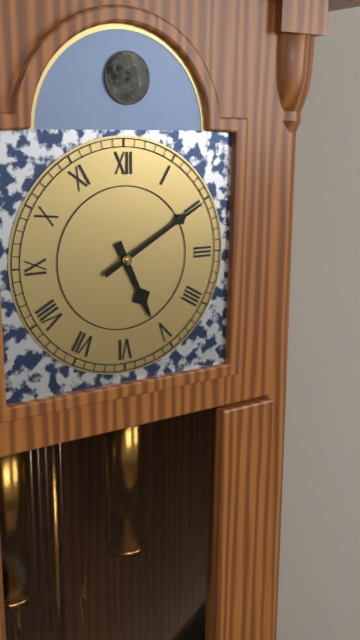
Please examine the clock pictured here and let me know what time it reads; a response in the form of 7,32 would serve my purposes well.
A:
5,10
